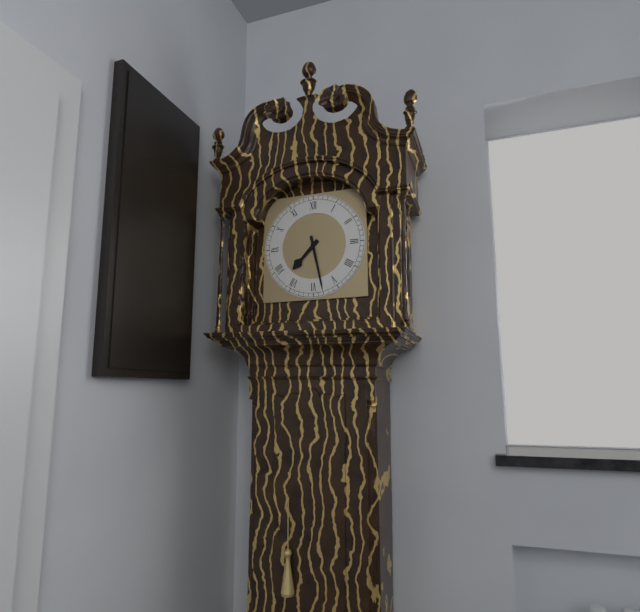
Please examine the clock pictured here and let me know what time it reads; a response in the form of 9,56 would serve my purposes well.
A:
7,28
